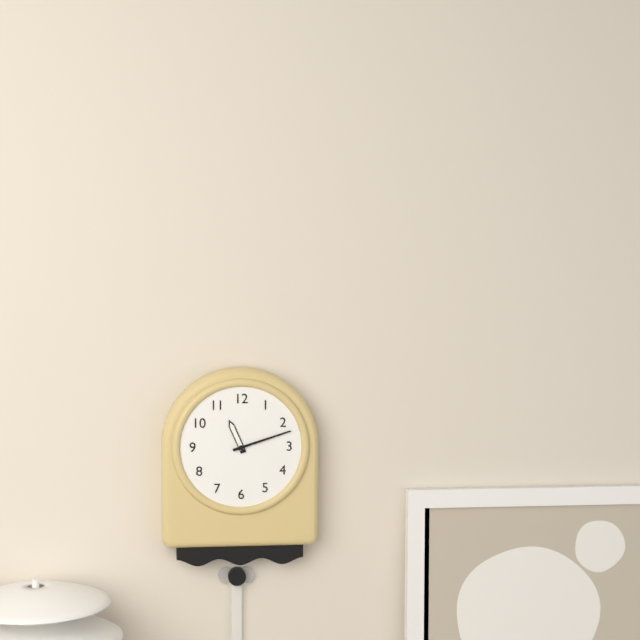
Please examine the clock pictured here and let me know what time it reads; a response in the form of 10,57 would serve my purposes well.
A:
11,12
